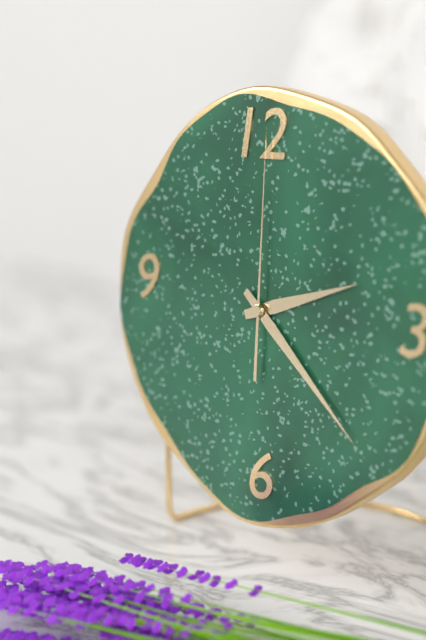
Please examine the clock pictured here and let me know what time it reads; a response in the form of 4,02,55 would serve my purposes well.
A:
2,22,00
